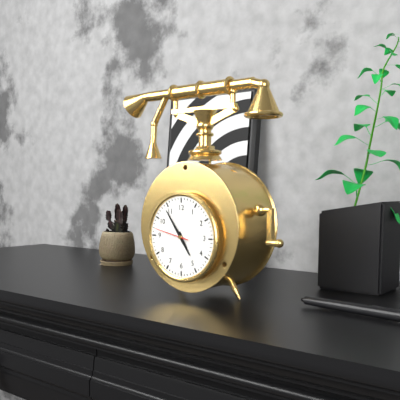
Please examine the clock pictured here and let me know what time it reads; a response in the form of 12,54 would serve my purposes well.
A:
4,54
